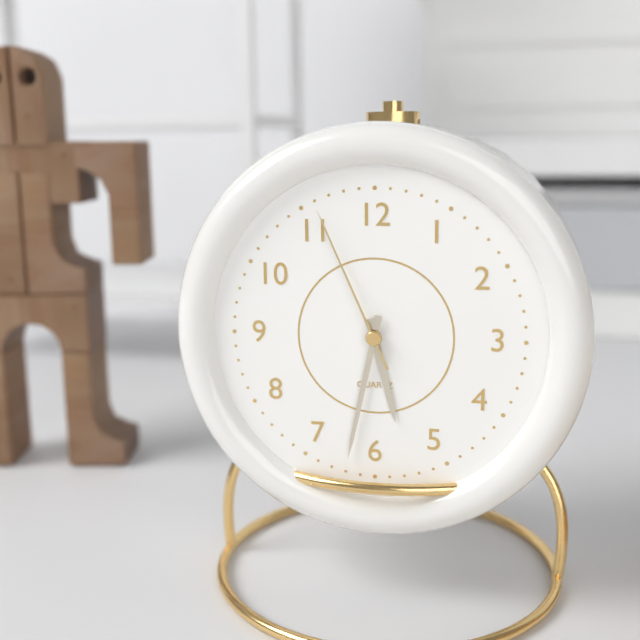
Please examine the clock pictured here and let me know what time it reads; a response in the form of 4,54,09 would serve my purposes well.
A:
5,32,56
